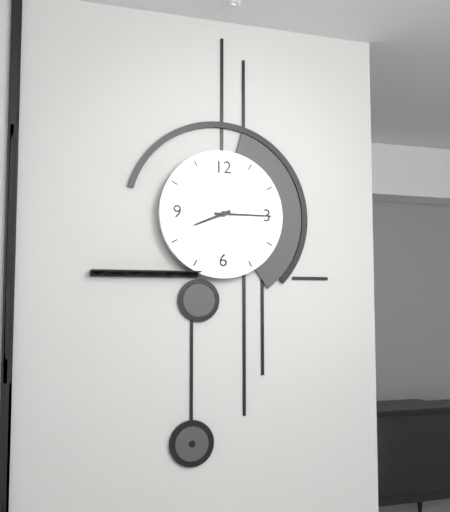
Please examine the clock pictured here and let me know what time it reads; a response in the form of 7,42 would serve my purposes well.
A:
8,15
